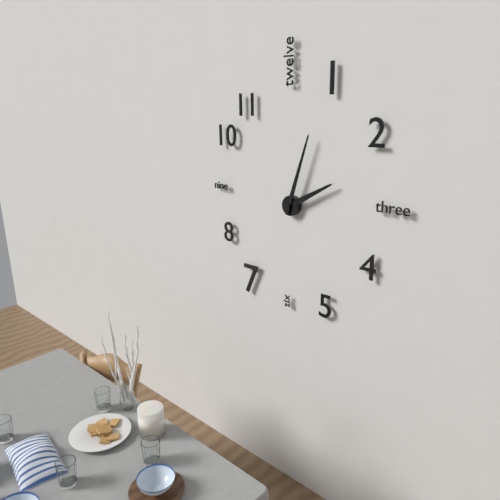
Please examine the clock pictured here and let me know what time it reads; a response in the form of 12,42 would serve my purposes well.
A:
2,03
